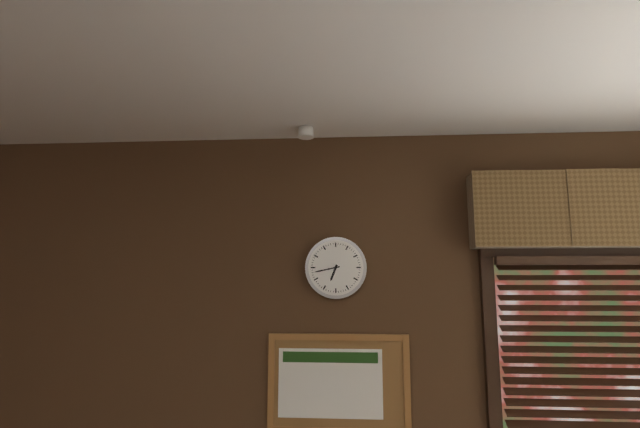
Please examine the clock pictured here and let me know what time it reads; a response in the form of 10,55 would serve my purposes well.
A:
6,43
